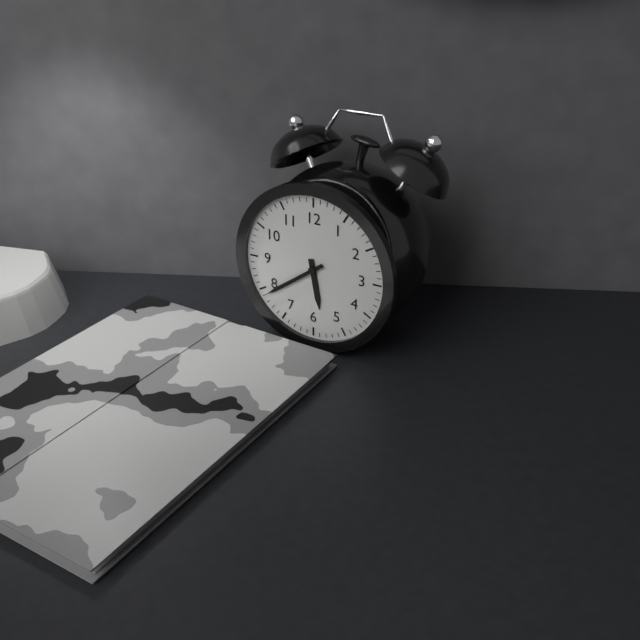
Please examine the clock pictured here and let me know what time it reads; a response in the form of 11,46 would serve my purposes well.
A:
5,39
